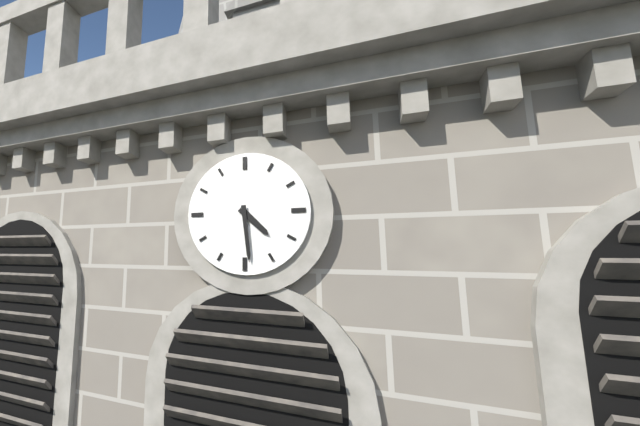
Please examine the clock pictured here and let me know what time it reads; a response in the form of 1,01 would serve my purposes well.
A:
4,29
